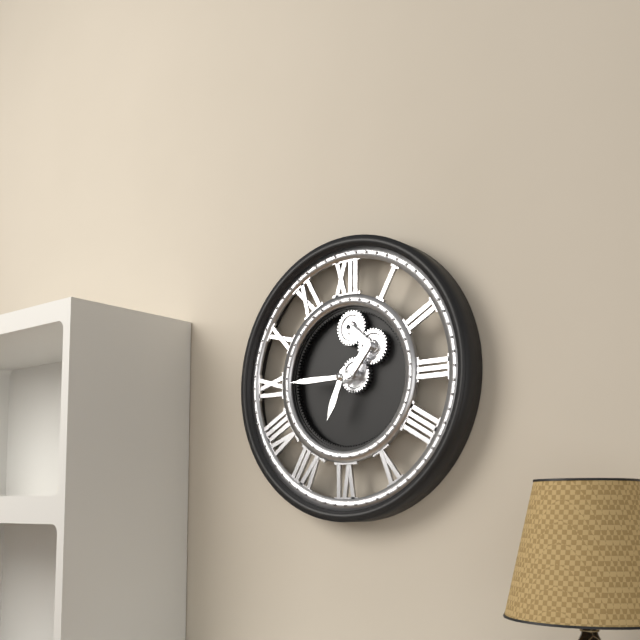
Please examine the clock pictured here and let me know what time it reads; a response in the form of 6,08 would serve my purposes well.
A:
6,45
